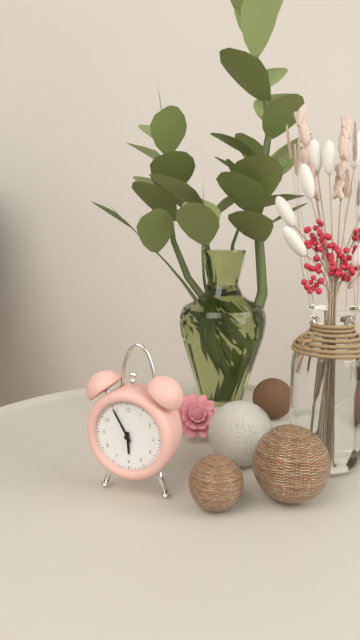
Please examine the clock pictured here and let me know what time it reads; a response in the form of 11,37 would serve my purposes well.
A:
5,55
